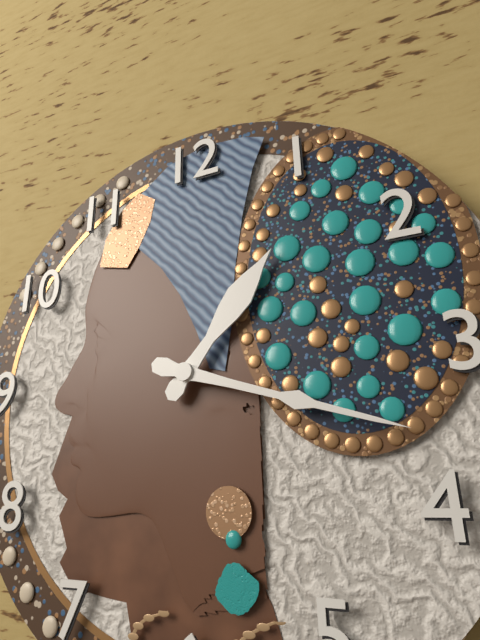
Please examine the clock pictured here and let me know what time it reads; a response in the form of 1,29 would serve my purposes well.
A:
1,18
